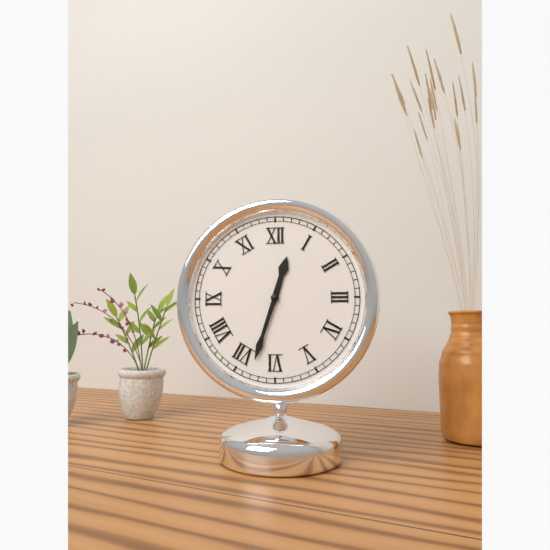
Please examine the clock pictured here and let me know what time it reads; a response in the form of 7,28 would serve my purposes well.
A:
12,33
